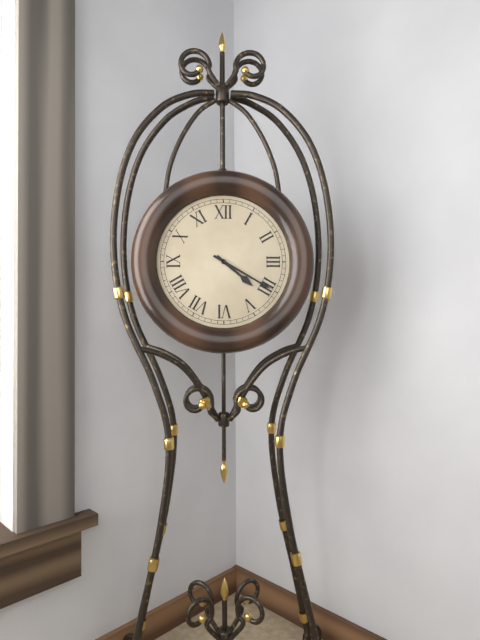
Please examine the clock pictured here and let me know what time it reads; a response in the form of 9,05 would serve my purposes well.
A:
4,20
